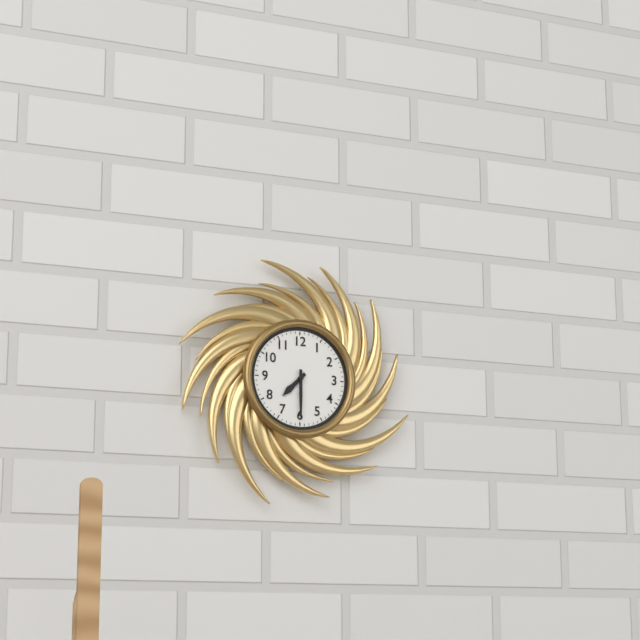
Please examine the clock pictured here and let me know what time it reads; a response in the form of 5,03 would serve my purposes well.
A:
7,30
